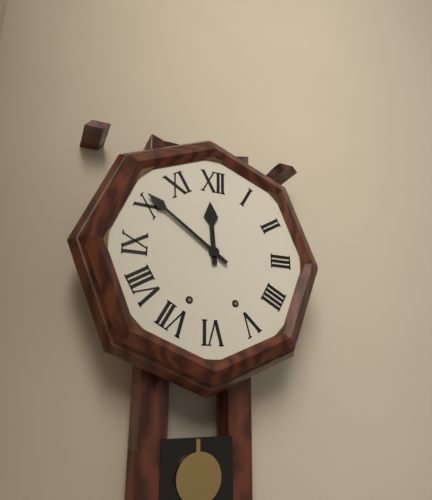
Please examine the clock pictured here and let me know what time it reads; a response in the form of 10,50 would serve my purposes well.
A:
11,51
